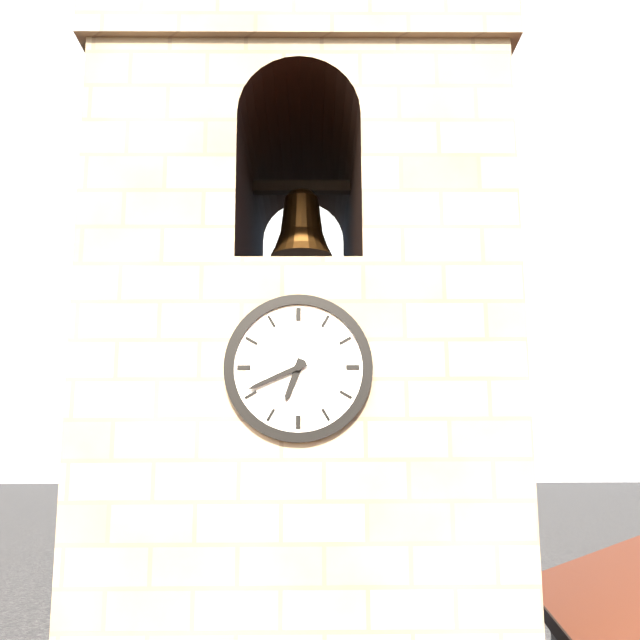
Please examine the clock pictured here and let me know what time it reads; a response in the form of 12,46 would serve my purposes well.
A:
6,41
